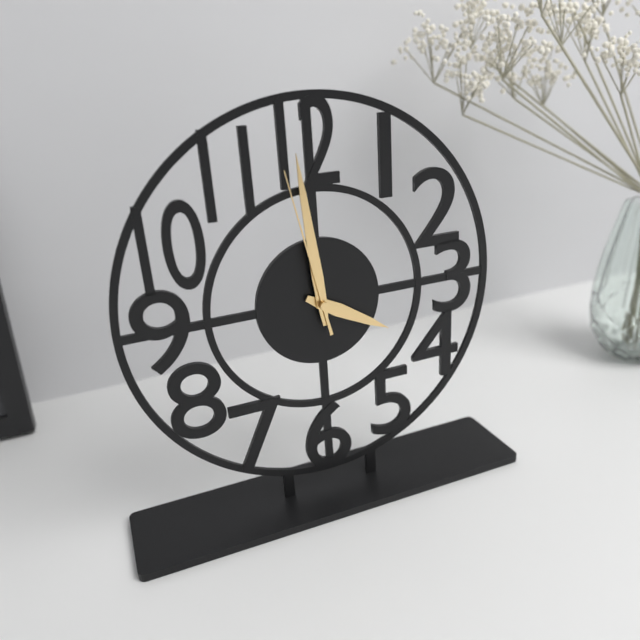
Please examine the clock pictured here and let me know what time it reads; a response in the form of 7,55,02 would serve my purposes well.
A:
3,59,58
